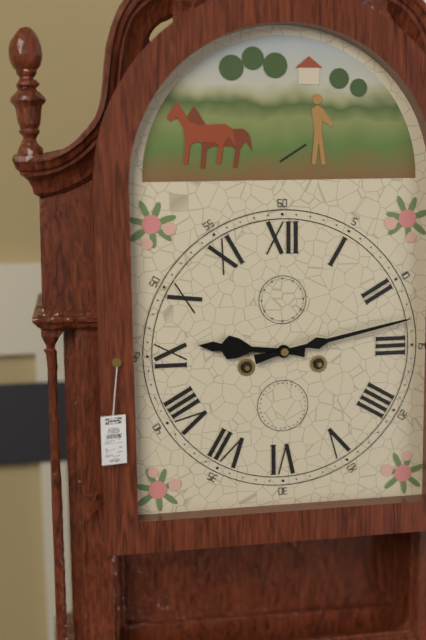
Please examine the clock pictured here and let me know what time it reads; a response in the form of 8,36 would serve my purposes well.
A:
9,13
